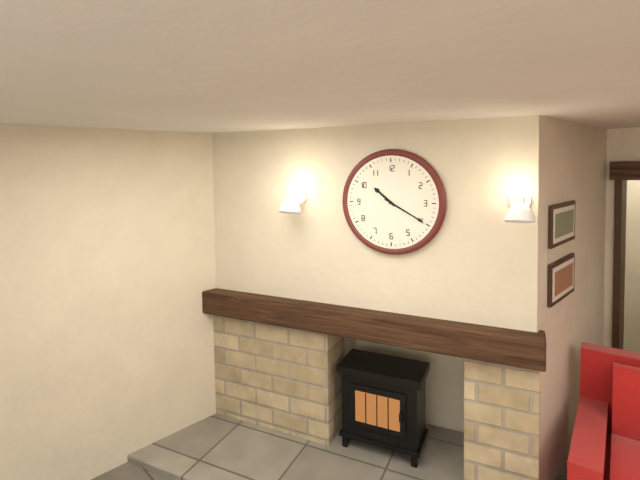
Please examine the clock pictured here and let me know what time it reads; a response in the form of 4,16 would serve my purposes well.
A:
10,20
